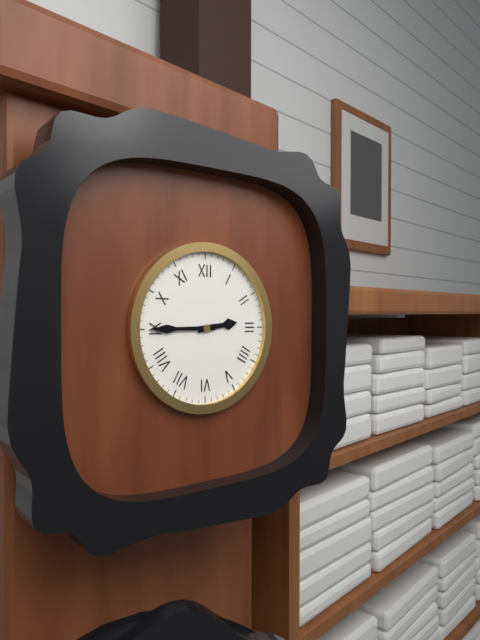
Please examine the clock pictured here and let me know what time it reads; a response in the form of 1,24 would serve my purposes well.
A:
2,45
